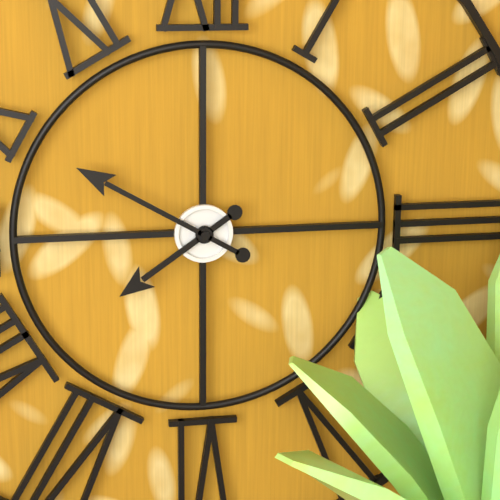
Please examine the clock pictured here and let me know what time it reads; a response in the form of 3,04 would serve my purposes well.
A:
7,50
